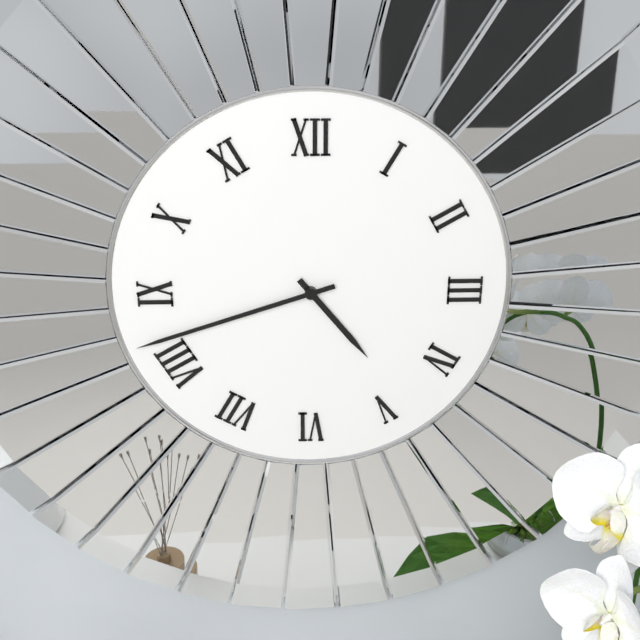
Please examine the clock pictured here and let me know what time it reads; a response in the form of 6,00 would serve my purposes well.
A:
4,42
